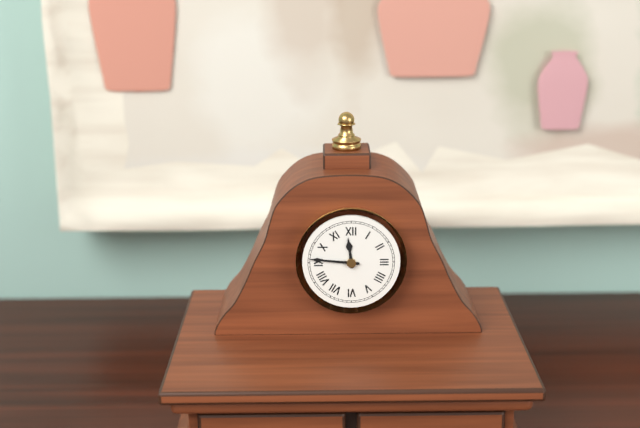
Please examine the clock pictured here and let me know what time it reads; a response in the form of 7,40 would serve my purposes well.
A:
11,46
